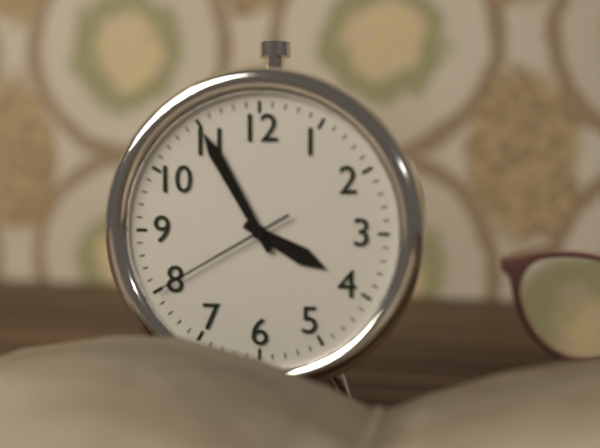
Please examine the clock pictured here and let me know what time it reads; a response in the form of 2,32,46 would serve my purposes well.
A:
3,55,40
